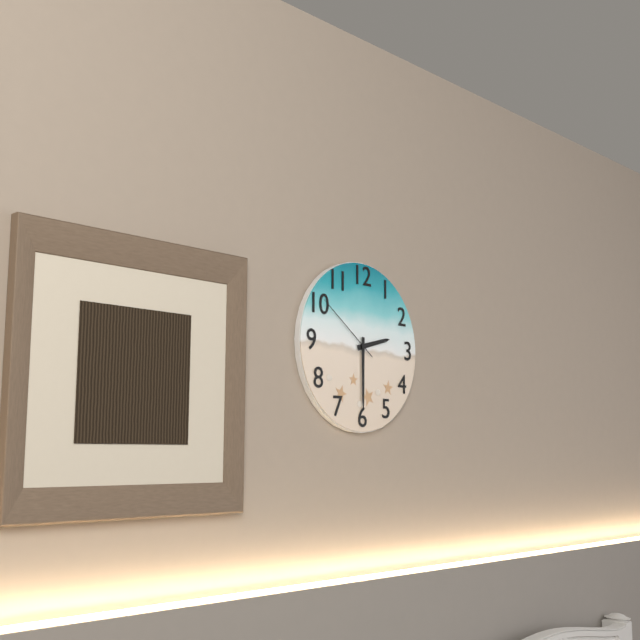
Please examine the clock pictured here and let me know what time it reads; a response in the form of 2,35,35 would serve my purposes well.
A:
2,30,51
